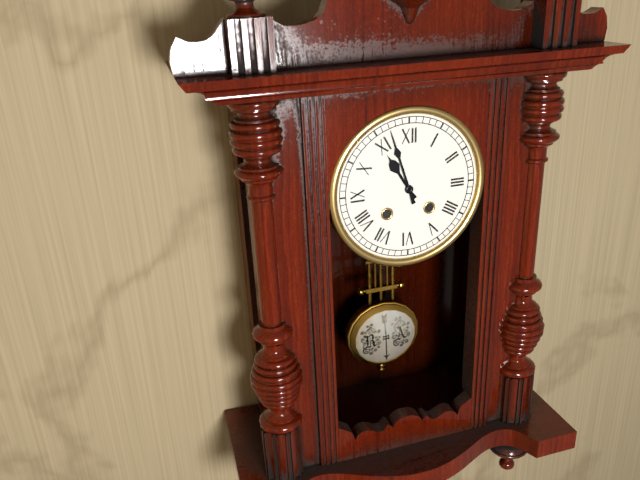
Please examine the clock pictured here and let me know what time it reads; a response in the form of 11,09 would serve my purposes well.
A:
10,57
